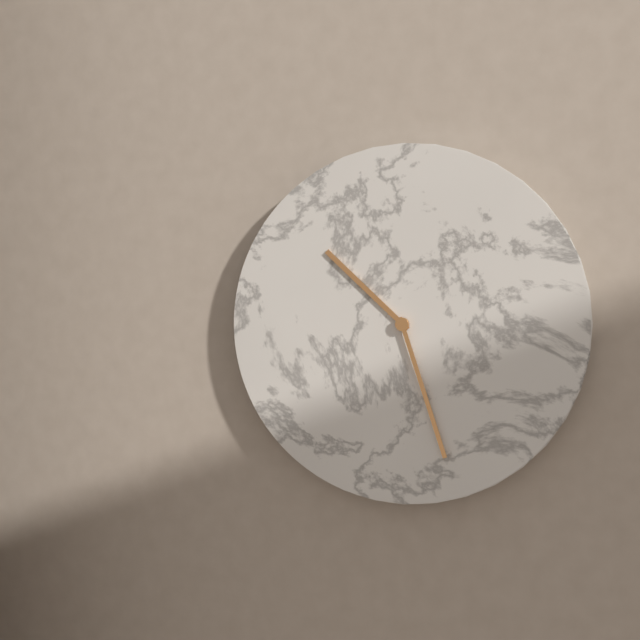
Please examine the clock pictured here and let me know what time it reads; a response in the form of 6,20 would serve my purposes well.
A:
10,27
